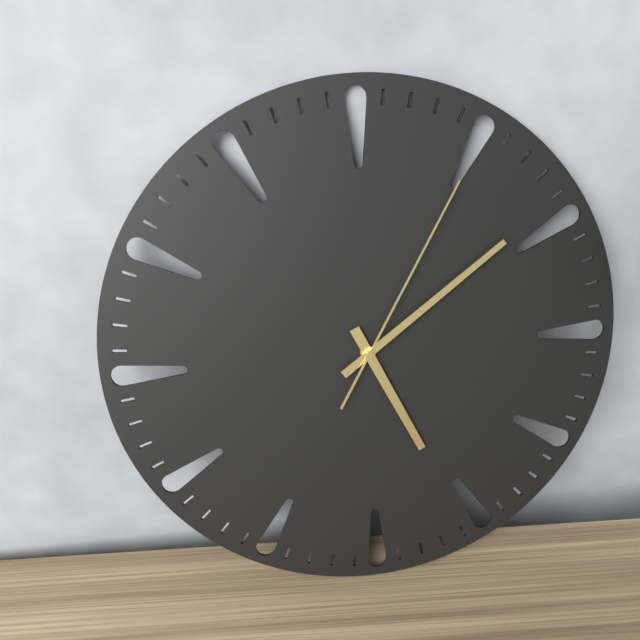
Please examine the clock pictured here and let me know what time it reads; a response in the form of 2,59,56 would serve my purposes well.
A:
5,09,05
